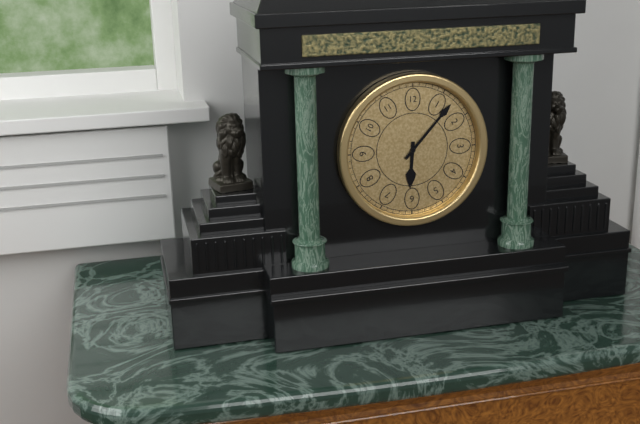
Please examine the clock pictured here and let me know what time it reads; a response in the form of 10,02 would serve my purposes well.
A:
6,07
